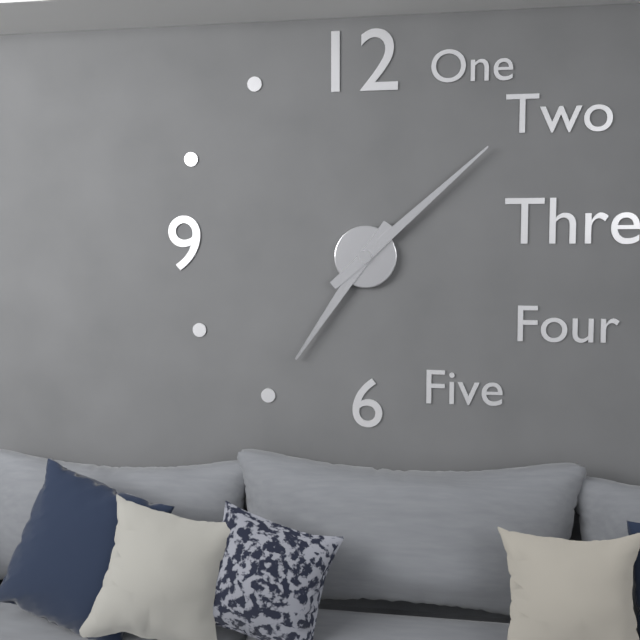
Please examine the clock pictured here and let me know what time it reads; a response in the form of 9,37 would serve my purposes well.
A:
7,08
